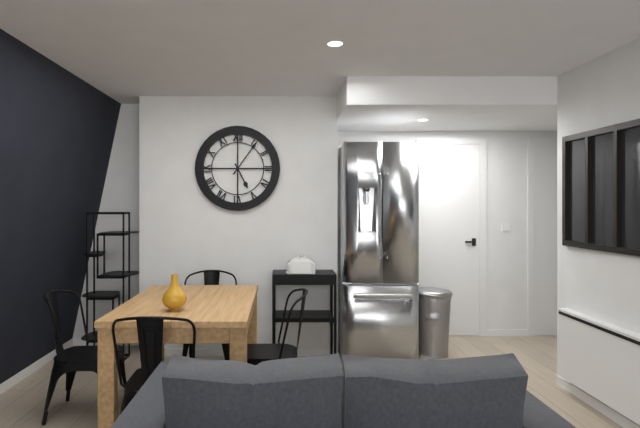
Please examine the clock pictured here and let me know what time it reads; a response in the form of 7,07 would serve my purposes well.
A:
5,06
